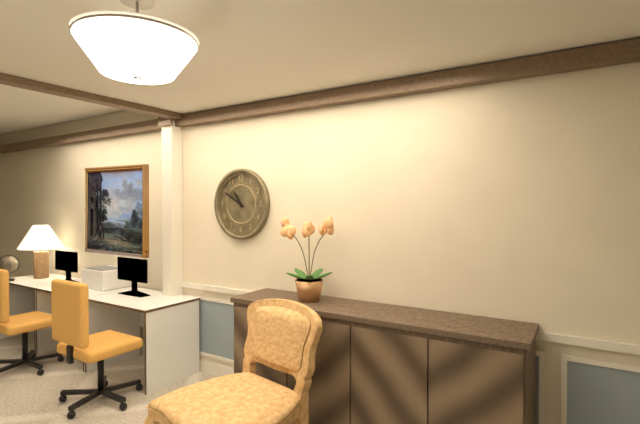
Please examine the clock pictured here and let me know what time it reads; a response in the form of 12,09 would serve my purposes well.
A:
10,50
